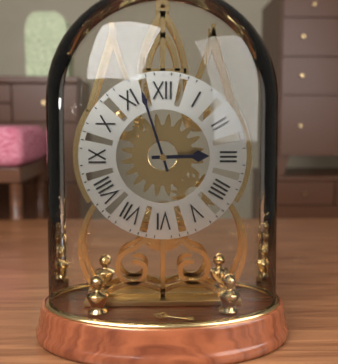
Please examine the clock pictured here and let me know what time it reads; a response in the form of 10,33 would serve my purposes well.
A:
2,57
